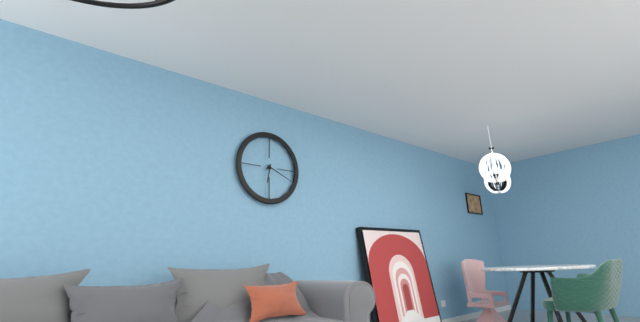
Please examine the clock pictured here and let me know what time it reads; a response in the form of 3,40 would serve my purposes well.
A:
6,19
